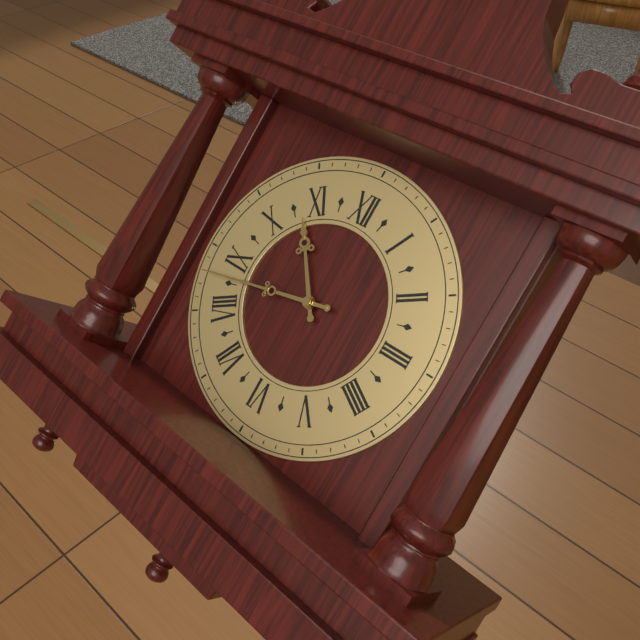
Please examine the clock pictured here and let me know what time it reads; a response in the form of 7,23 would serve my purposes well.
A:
10,43
